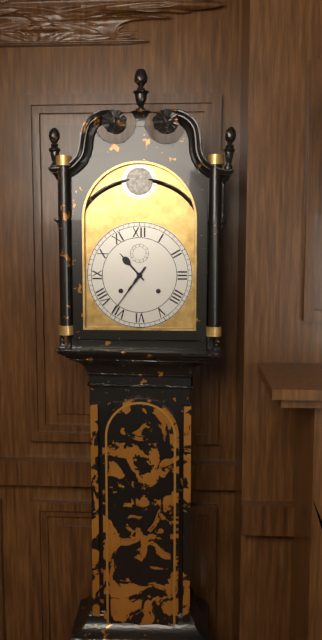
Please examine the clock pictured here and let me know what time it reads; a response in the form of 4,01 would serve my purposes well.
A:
10,36
